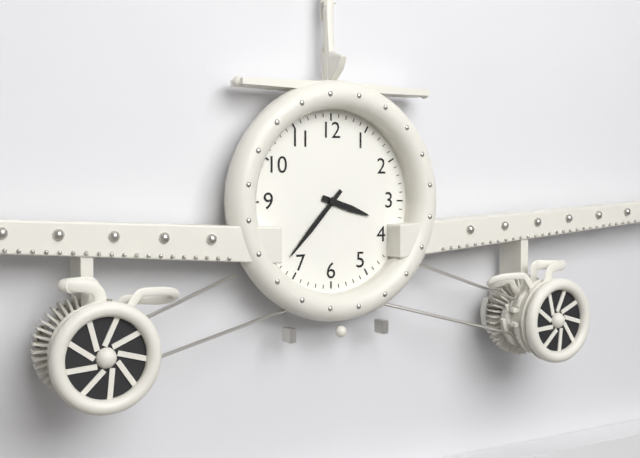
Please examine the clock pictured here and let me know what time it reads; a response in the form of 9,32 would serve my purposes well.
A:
3,37
